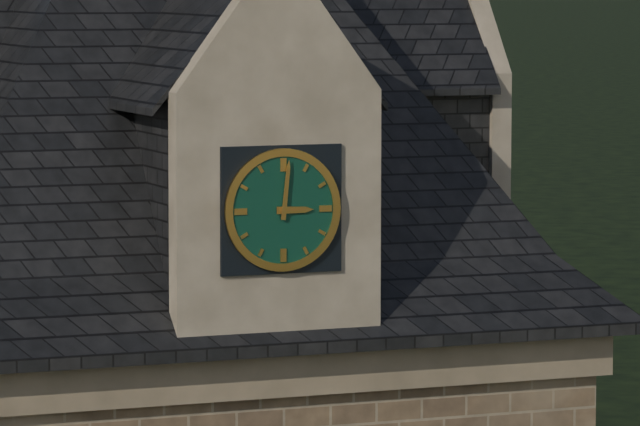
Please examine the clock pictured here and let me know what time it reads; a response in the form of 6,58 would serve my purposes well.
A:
3,01
